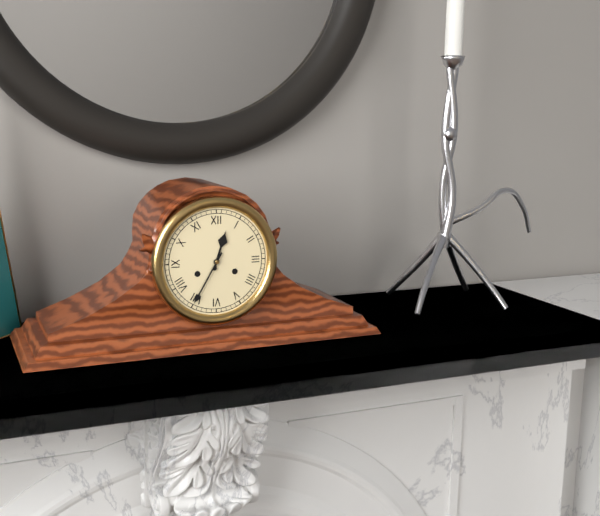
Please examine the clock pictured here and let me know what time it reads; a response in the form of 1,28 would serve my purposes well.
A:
12,35
